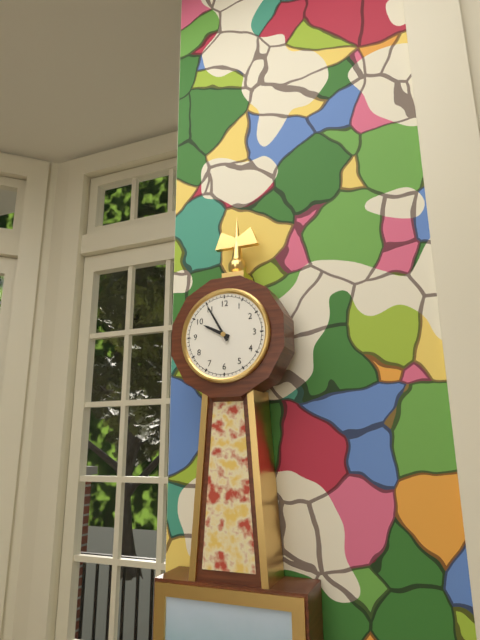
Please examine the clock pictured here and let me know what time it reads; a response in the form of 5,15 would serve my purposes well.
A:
9,55
